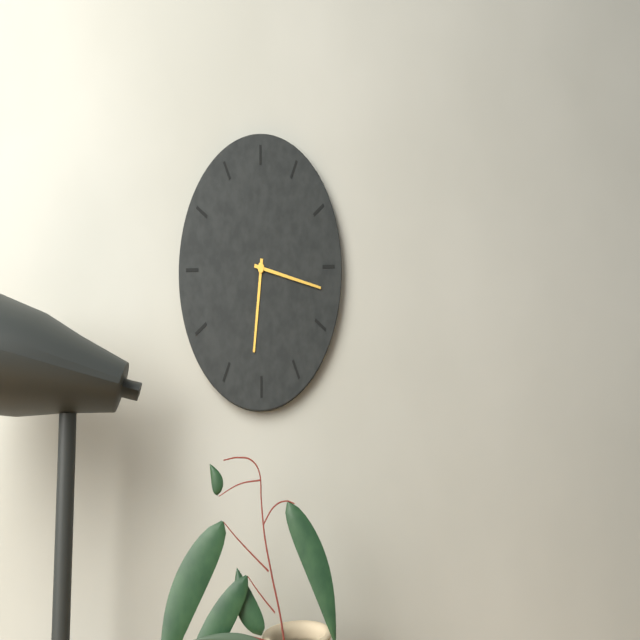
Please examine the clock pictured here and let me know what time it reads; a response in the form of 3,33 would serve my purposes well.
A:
6,17
